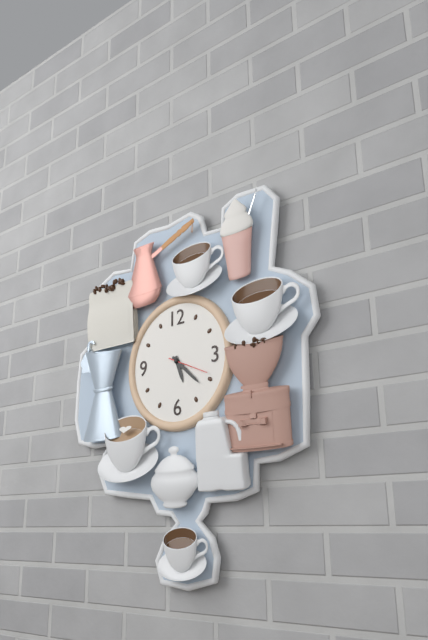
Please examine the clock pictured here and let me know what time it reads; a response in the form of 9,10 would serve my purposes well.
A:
5,22
